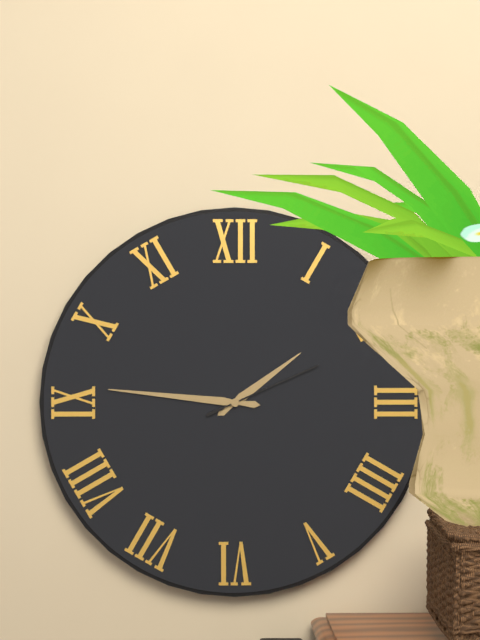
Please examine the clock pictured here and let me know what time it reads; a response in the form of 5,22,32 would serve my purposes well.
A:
1,46,11
